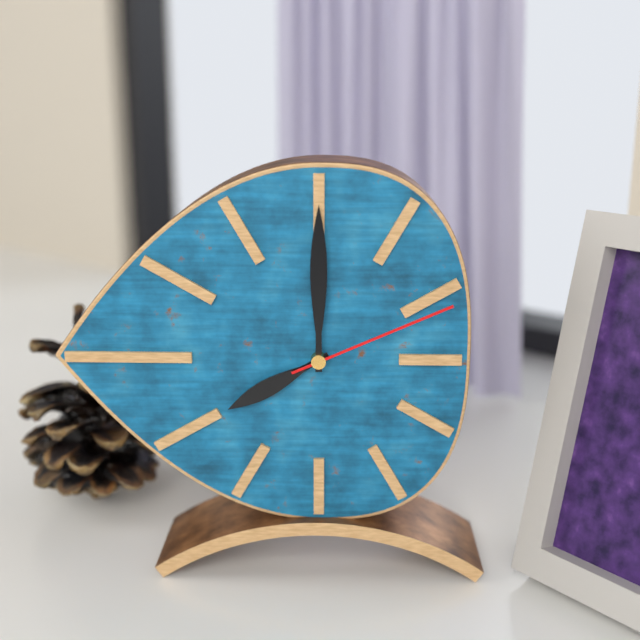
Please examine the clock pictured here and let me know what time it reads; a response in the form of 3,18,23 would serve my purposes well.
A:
8,00,11
